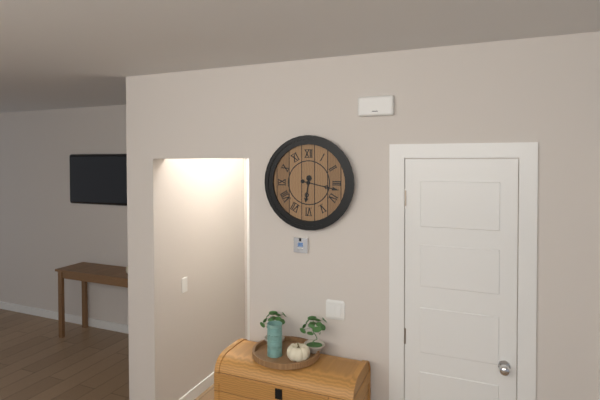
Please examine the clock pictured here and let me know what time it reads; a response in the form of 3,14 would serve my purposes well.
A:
6,17
